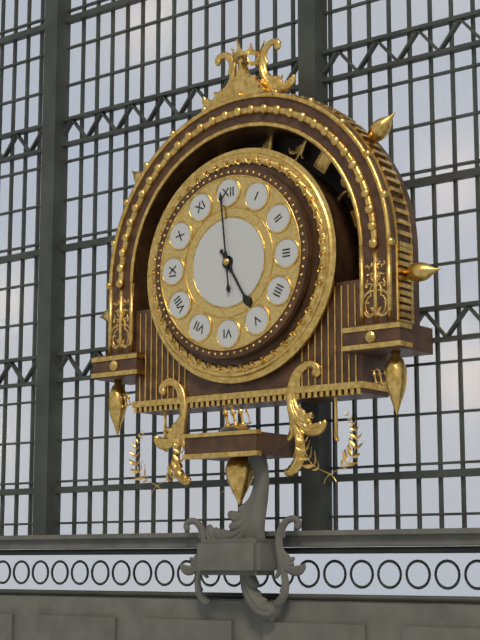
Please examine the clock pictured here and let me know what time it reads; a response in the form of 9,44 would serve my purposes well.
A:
4,59
